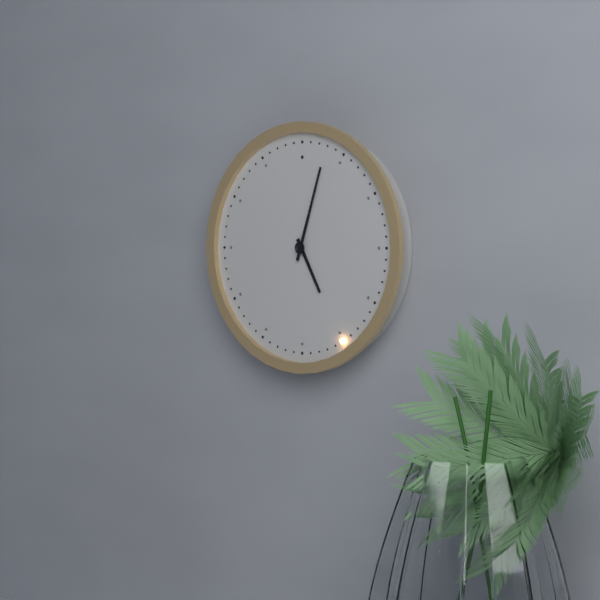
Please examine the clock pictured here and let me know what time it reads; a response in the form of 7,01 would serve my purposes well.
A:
5,03
